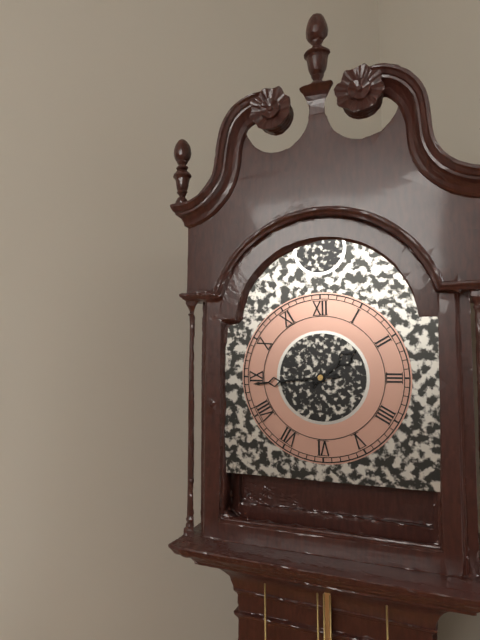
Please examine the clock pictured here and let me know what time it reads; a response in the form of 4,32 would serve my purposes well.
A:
1,44
